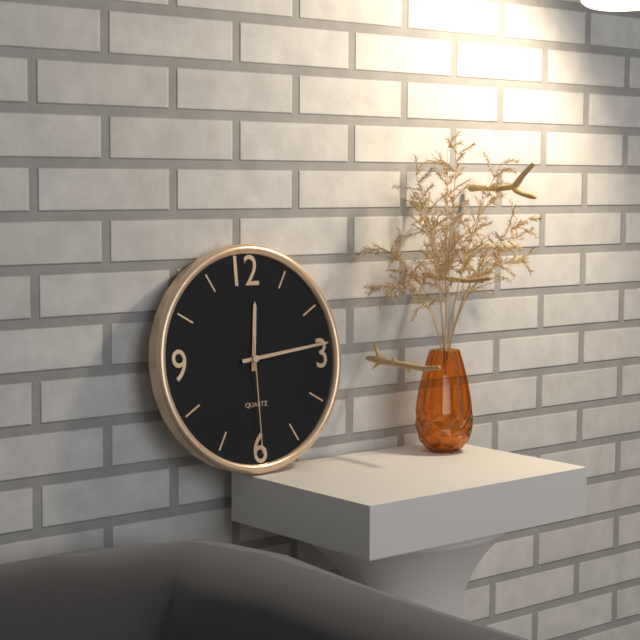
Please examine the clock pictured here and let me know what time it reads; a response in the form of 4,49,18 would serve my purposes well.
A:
12,14,30
